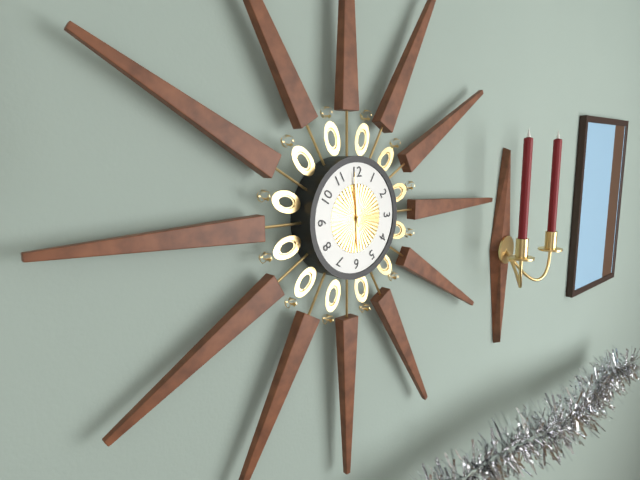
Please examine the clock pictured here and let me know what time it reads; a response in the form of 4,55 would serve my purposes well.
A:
5,59
